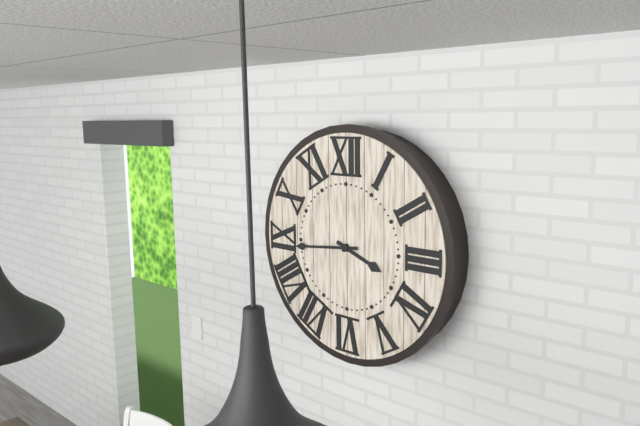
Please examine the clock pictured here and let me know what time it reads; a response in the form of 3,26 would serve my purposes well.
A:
3,44
